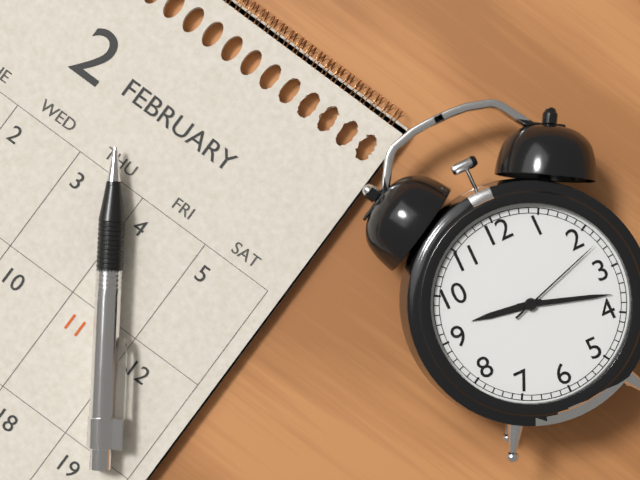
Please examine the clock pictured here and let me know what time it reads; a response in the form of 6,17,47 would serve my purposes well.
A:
9,18,12
